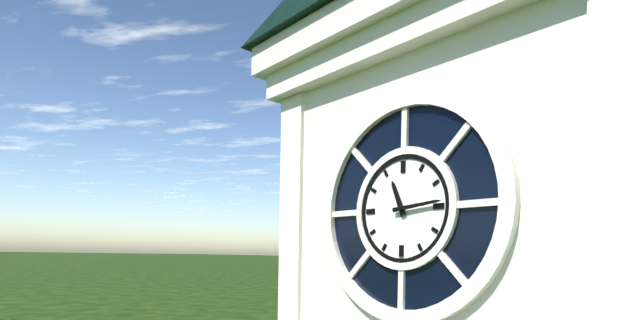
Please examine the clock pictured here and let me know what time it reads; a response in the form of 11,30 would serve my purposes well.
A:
11,14
